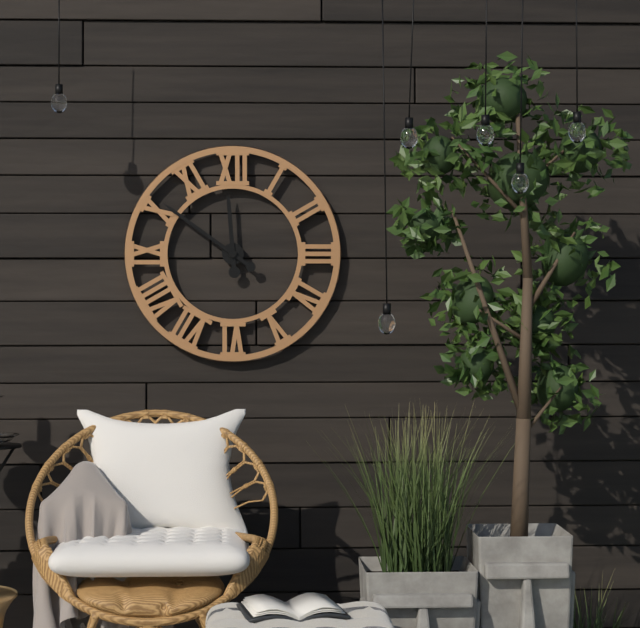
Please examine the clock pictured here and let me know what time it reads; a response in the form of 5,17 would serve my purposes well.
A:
11,51
